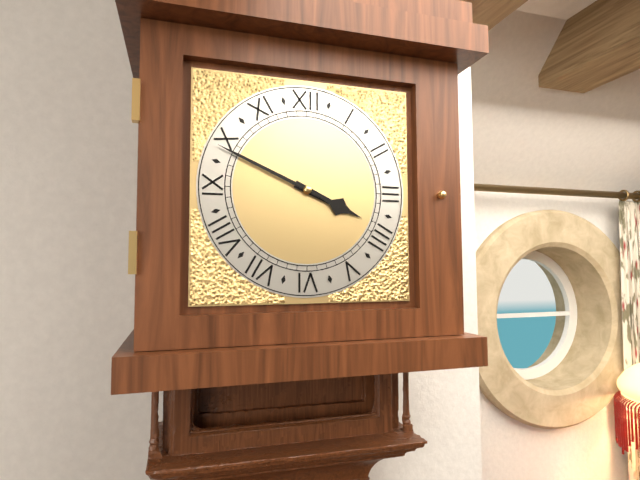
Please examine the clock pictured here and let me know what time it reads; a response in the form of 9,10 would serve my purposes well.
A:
3,49
